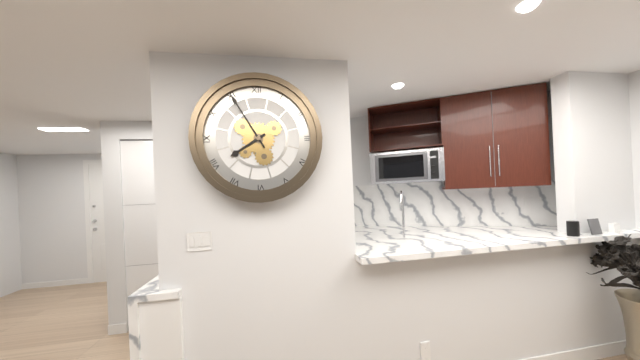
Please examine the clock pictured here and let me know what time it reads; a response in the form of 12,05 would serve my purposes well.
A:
7,55
